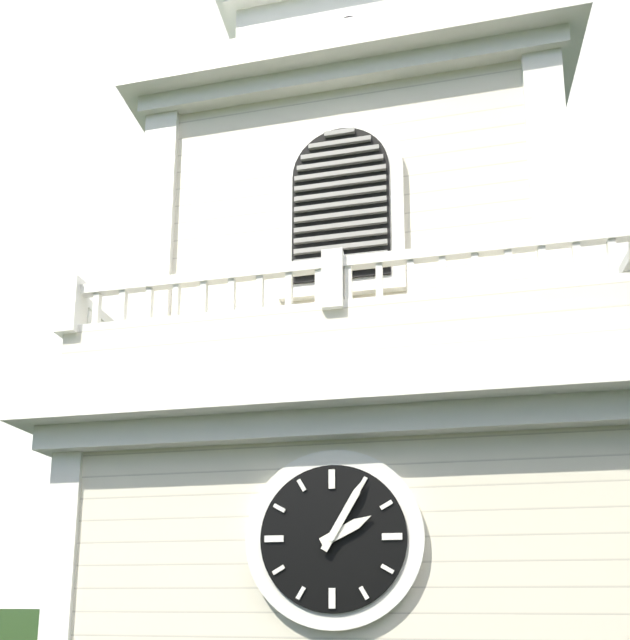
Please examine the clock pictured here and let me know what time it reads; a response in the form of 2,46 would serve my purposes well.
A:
2,05
